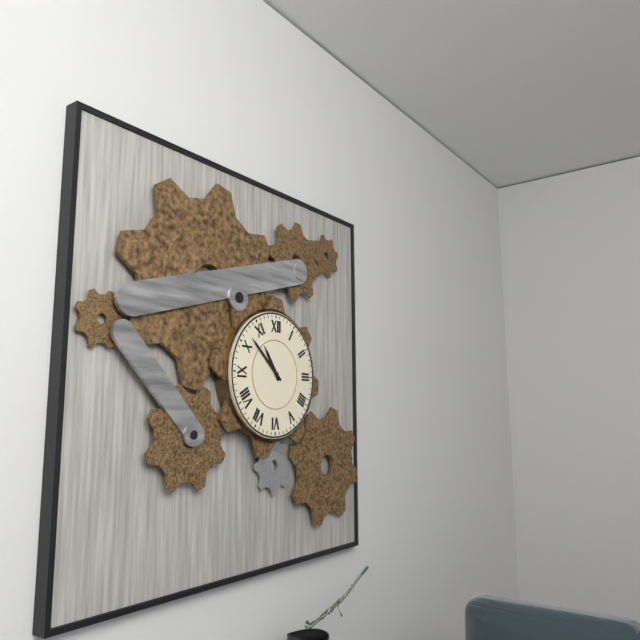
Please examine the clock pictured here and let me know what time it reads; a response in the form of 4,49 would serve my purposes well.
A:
10,52
